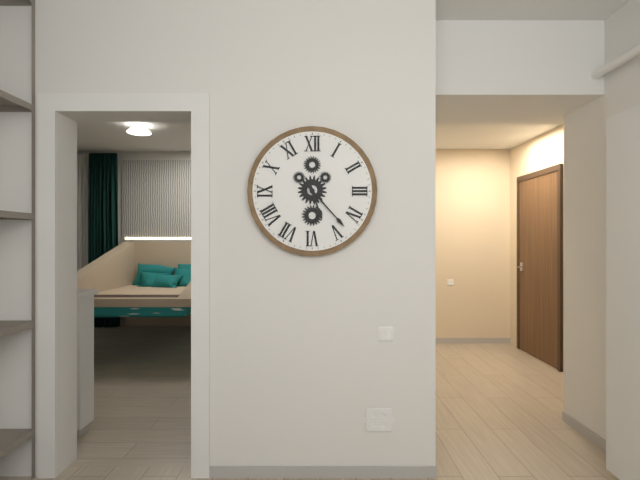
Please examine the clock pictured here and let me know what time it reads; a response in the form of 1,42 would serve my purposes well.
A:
5,23
